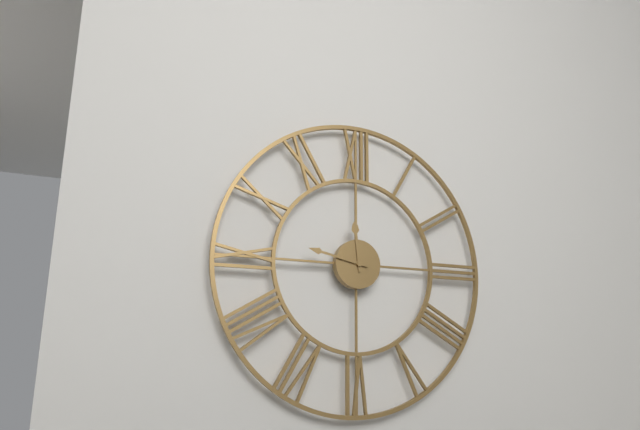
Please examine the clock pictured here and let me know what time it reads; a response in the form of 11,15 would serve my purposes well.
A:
11,47
